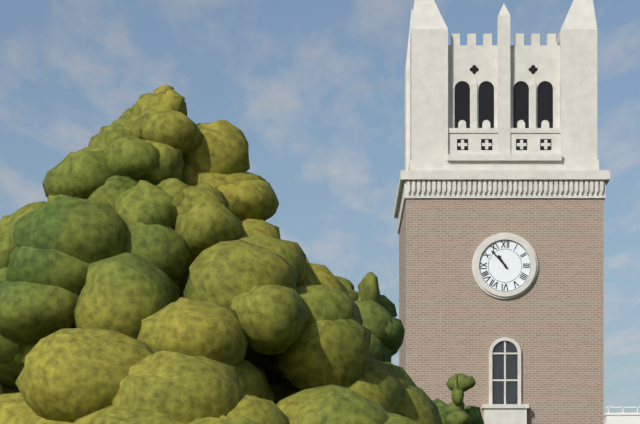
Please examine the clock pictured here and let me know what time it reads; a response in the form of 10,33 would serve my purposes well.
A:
10,53
